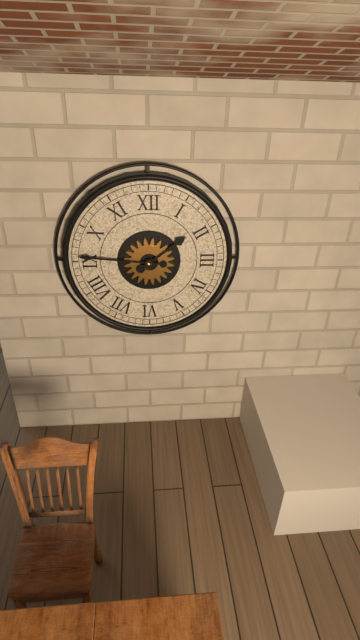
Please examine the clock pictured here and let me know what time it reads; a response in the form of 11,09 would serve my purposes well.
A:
1,46
